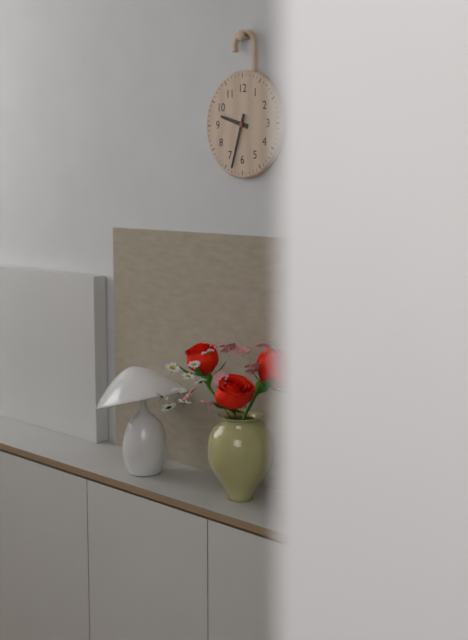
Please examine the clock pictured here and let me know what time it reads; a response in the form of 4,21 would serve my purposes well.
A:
9,33
